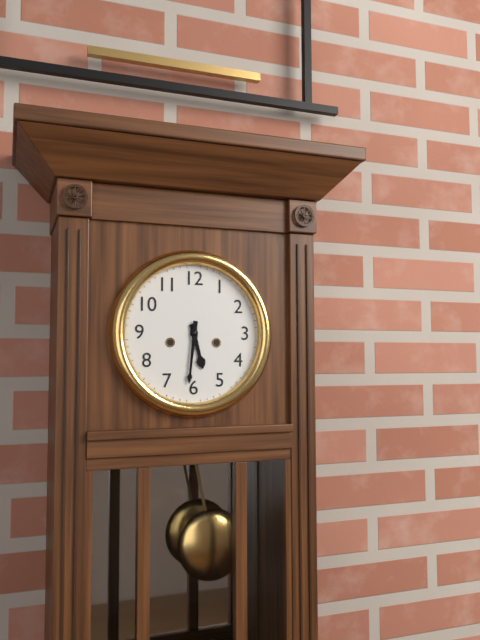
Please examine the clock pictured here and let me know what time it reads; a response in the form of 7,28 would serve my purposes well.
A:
5,31
